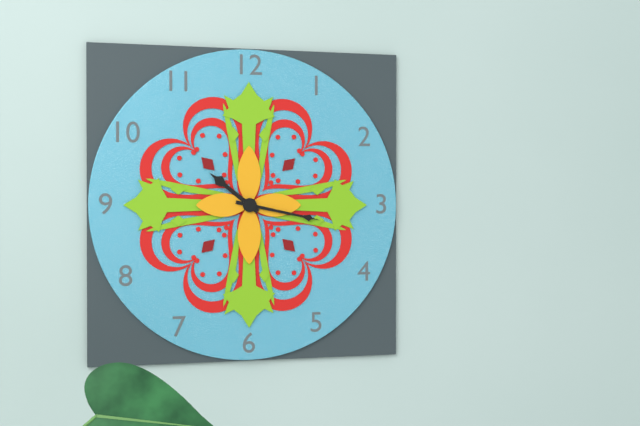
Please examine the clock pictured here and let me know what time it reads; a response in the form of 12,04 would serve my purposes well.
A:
10,17
